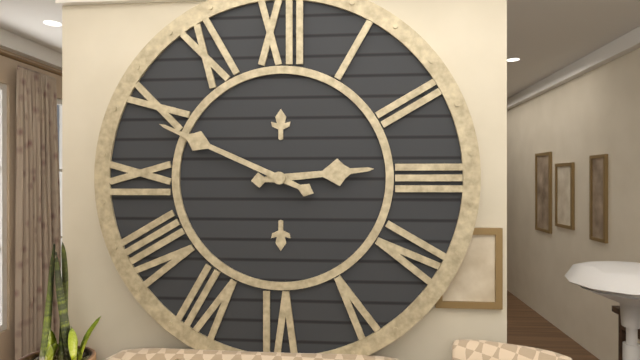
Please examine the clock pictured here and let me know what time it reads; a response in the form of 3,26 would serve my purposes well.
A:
2,49
